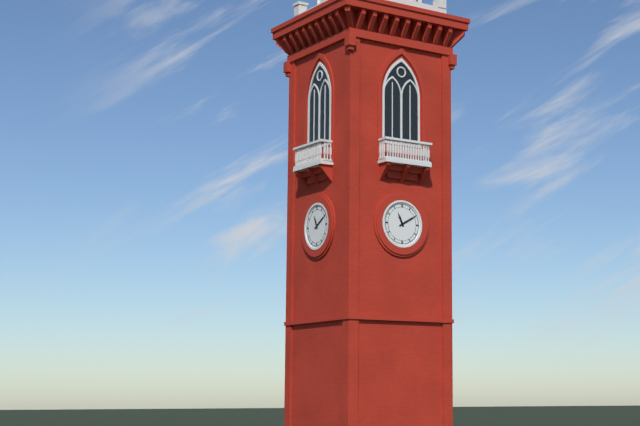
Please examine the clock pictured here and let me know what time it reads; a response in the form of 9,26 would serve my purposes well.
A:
11,10
